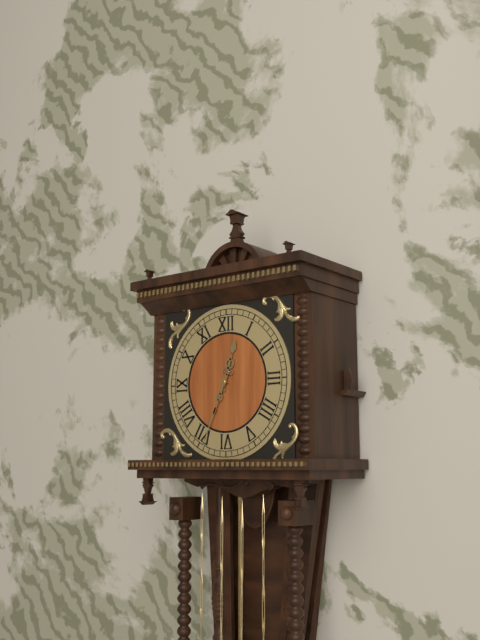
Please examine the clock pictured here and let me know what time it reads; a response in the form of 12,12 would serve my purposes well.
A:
12,34
